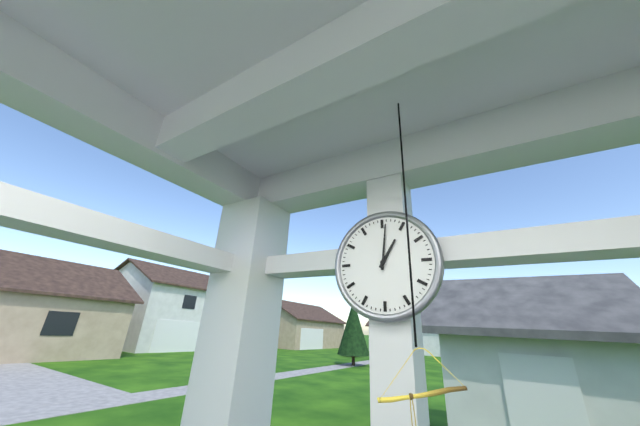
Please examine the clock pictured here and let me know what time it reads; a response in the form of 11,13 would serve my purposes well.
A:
1,01
